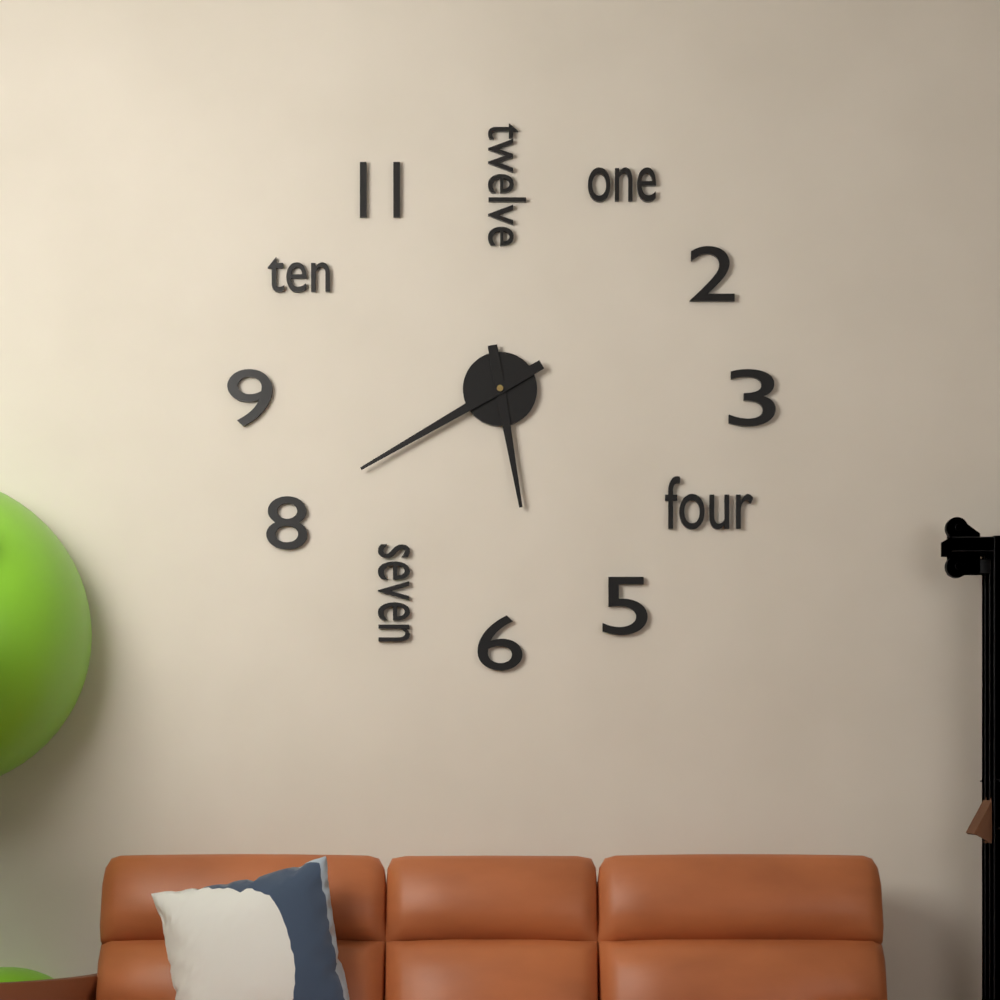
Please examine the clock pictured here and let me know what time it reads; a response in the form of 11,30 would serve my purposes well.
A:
5,40
